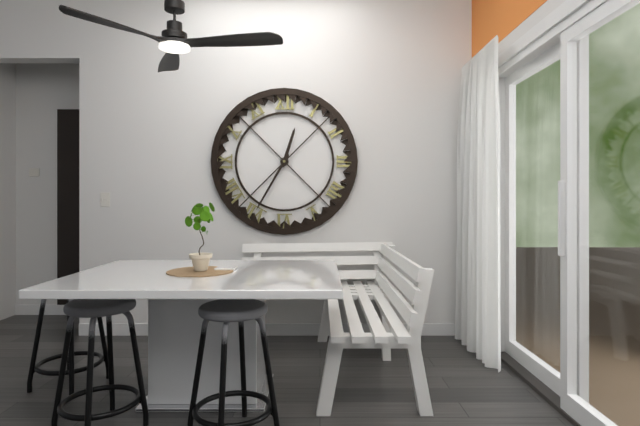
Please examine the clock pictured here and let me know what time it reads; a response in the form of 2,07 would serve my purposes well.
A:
12,35
